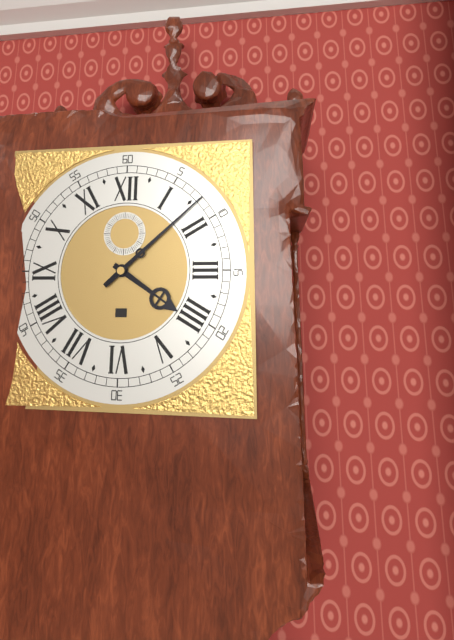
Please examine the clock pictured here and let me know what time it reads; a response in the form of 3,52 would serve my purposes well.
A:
4,08
